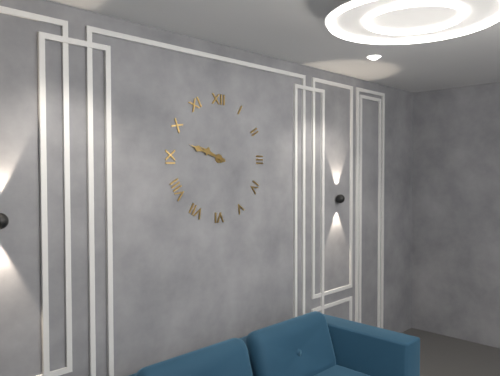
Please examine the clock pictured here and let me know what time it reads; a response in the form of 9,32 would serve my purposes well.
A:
9,48
